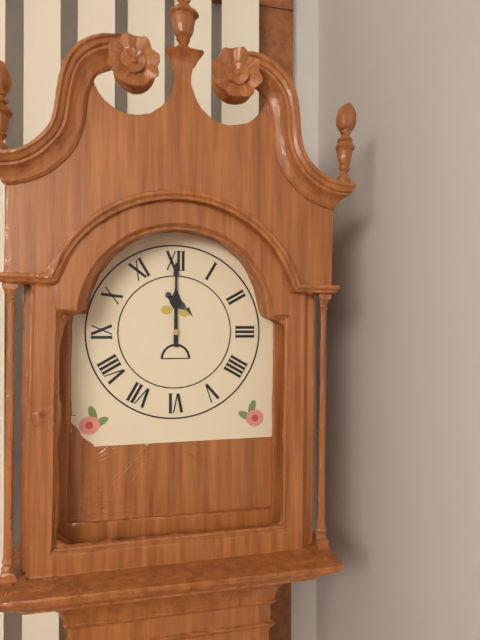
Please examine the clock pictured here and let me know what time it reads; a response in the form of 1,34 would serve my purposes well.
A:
12,00
